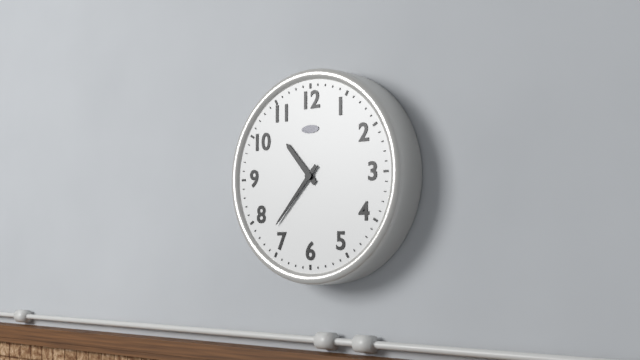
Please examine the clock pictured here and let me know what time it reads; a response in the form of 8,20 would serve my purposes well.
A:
10,37
